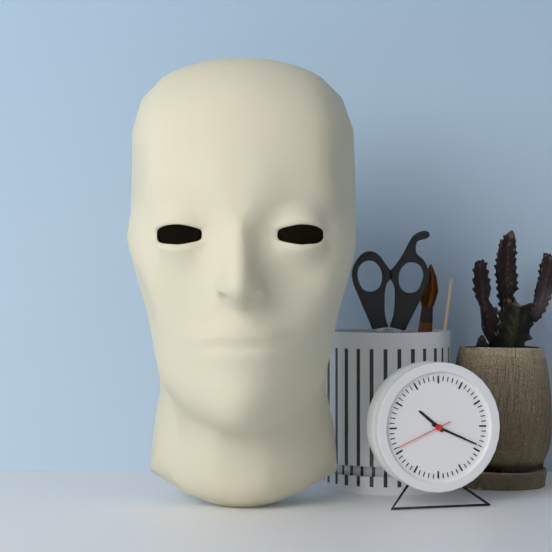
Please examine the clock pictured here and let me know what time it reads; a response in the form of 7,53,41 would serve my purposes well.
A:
10,19,41
